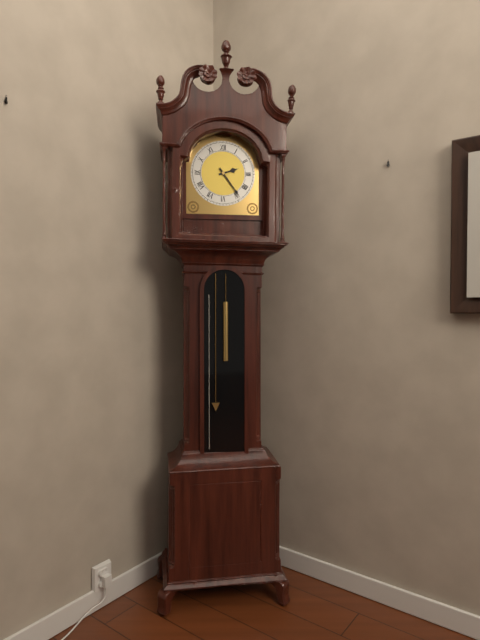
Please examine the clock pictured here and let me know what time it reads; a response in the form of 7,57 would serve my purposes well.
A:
2,24
